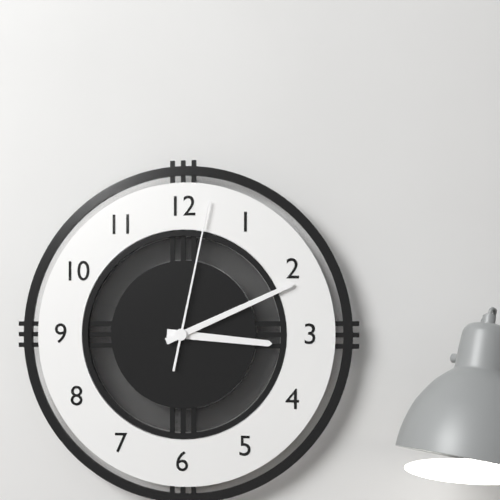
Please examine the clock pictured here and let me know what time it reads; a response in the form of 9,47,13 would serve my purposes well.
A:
3,11,02
